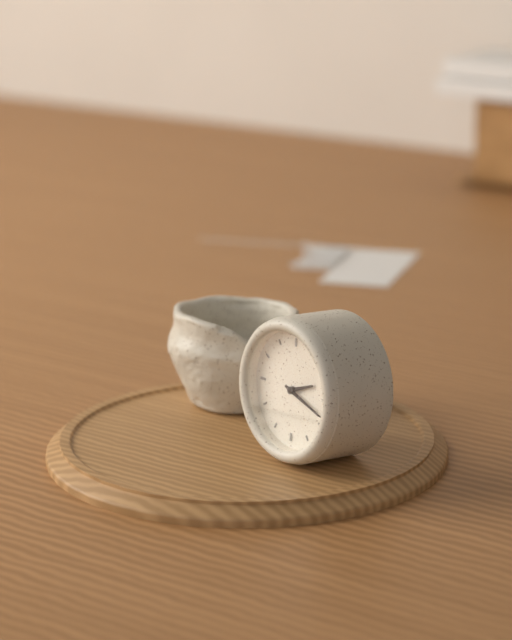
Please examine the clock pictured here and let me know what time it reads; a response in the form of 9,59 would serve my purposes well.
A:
2,18
